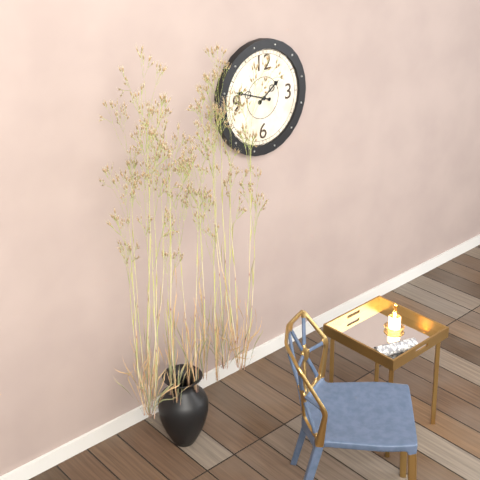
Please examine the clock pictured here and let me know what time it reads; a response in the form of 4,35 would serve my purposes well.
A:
1,48
